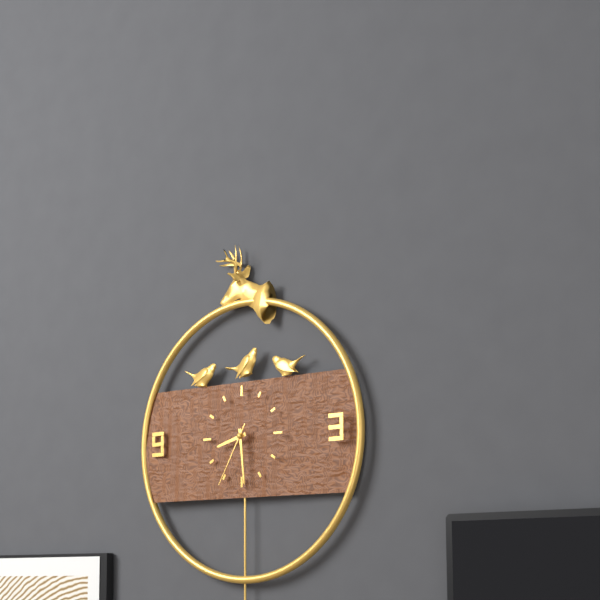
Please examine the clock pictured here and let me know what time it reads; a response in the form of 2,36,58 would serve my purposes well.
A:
8,29,35
